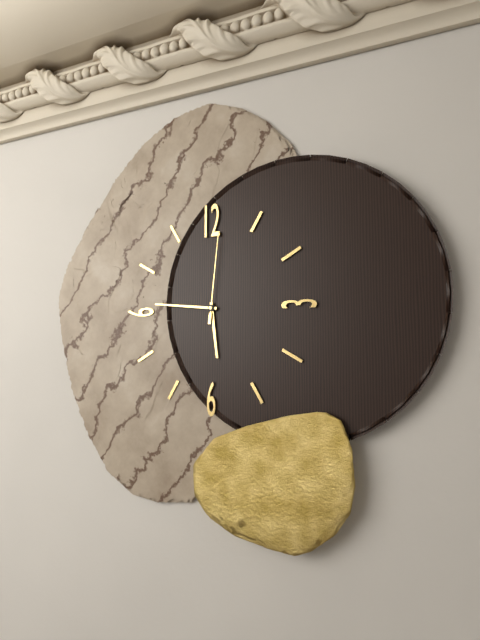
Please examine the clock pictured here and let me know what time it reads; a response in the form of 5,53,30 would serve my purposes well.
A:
5,46,01
